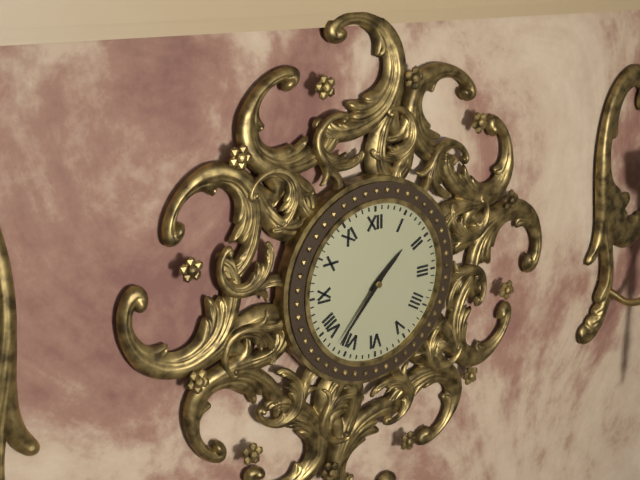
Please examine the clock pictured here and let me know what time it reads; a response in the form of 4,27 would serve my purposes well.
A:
1,37
